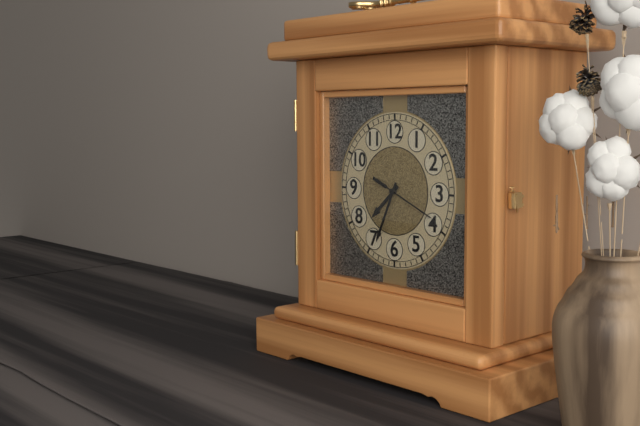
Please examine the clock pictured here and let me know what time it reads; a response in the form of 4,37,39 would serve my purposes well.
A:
7,34,19
